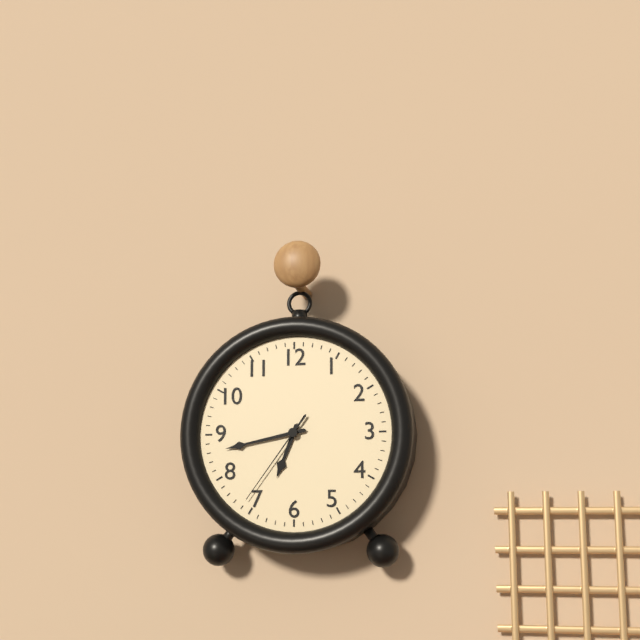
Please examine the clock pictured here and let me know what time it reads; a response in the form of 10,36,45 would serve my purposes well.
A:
6,43,36
